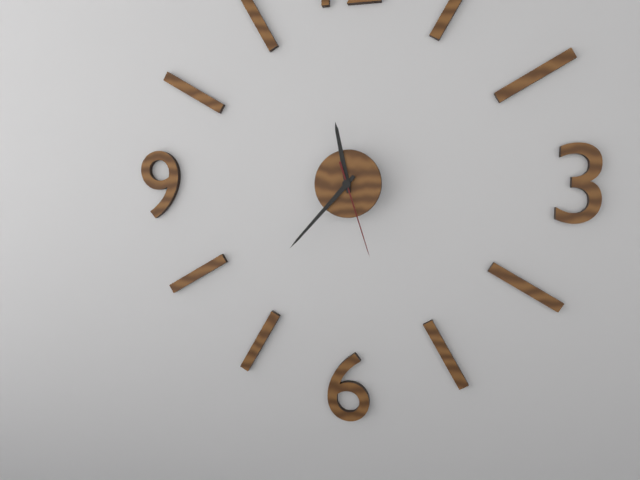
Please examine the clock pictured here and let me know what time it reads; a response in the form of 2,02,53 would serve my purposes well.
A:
11,37,27
